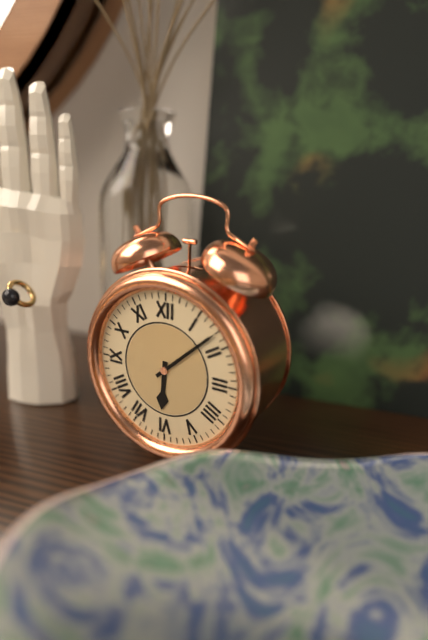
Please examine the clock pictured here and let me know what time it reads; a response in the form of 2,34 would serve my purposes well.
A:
6,08
